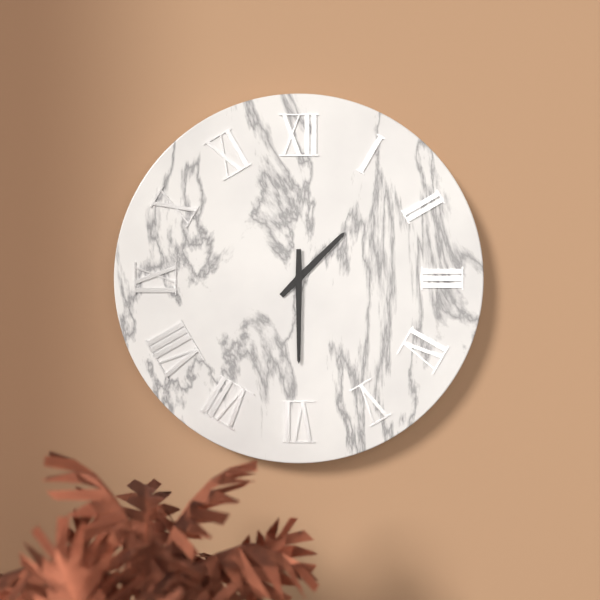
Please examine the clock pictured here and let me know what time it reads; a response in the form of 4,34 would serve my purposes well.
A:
1,30
